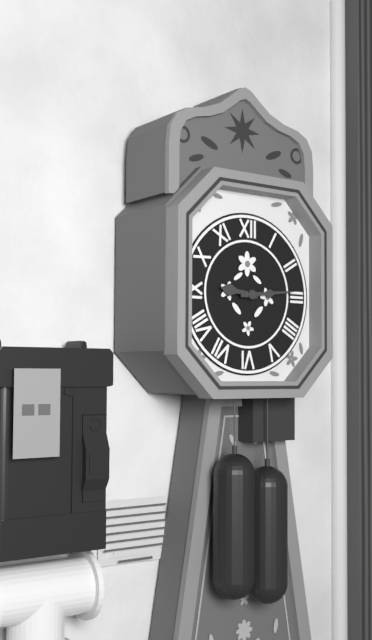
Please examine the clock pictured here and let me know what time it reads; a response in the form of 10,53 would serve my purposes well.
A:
9,14
